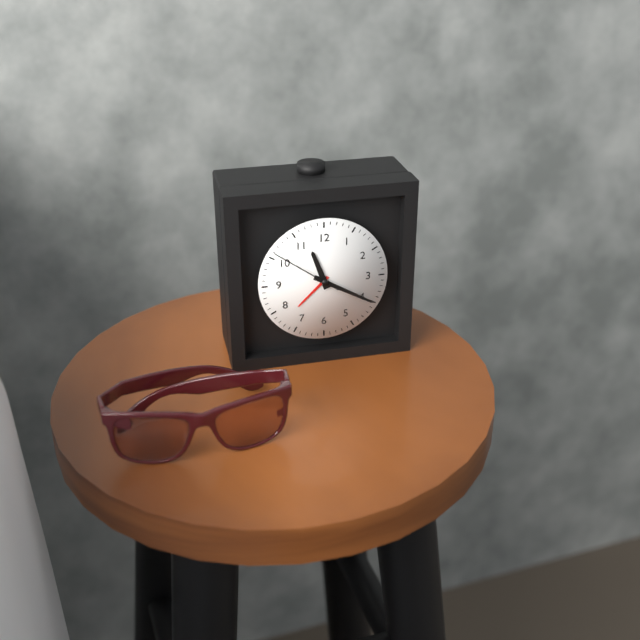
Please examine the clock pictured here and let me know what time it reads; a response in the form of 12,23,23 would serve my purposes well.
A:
11,20,51
